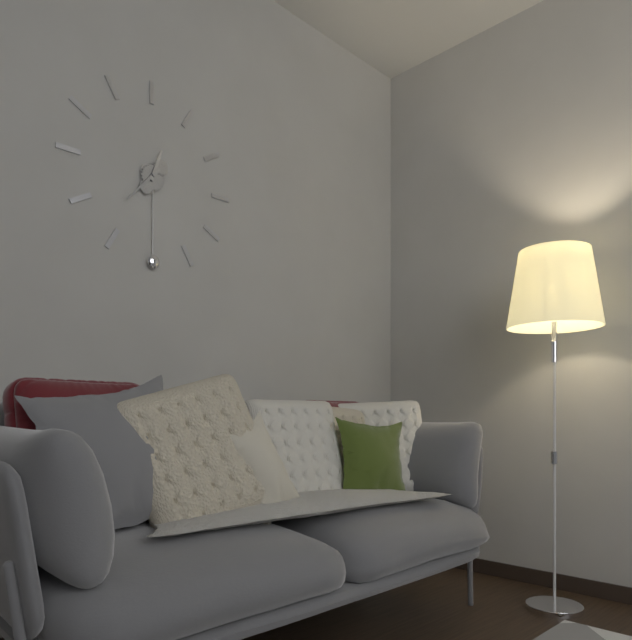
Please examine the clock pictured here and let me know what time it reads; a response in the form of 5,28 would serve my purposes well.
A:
12,37
